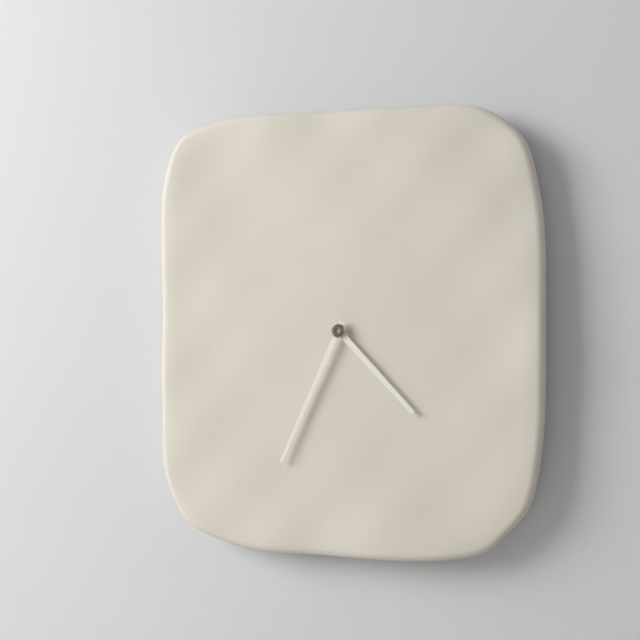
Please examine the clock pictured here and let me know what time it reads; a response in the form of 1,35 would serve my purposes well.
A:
4,34
